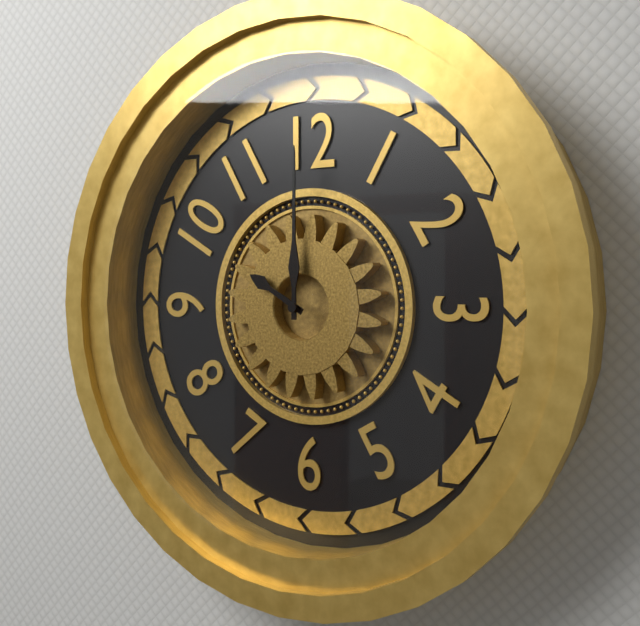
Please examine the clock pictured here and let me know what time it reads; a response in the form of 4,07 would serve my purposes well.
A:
10,00
